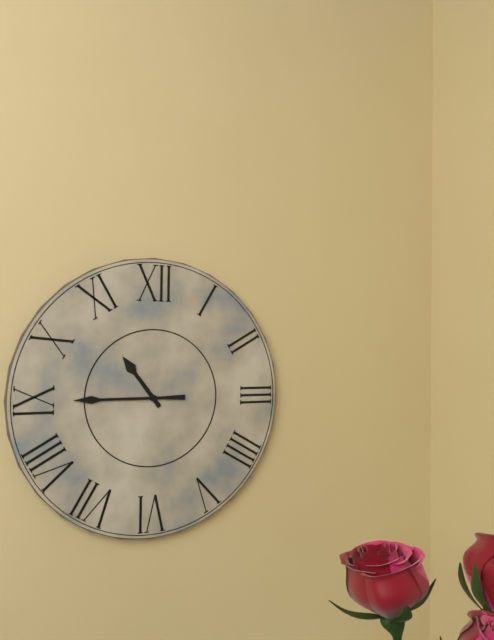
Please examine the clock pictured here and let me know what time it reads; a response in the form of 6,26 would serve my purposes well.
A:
10,45
